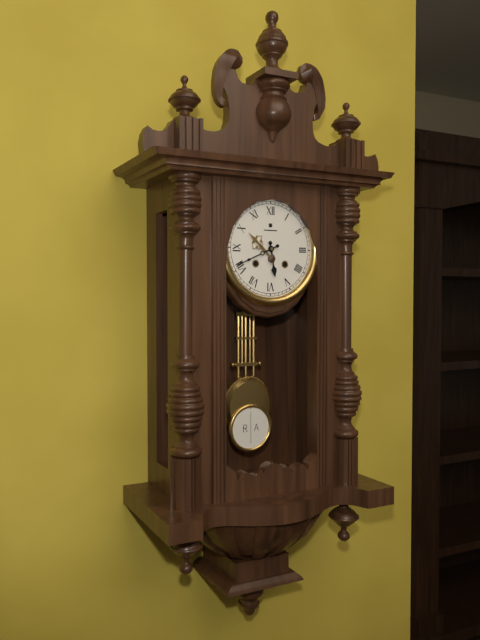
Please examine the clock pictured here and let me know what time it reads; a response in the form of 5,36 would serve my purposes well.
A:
5,41
